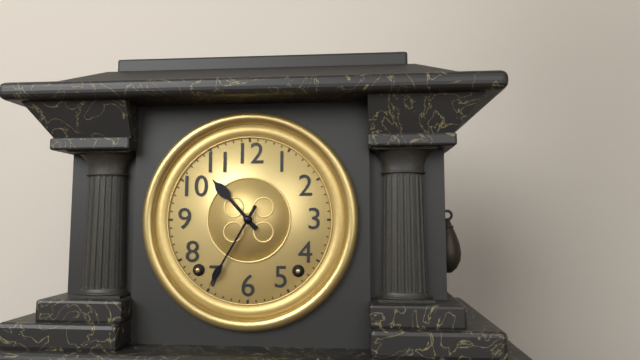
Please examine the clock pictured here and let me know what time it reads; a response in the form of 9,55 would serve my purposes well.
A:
10,35
